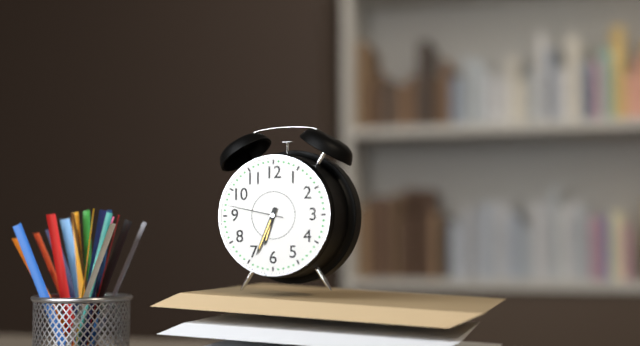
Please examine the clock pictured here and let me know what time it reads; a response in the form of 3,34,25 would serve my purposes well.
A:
6,34,47
